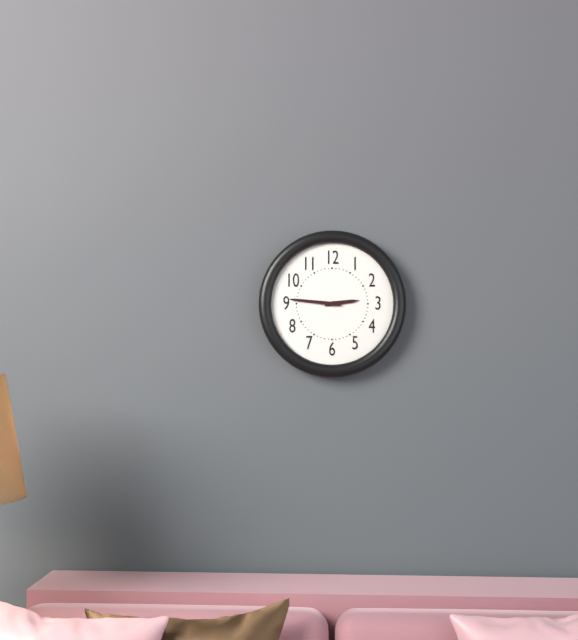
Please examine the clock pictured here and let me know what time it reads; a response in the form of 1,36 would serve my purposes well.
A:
2,46
